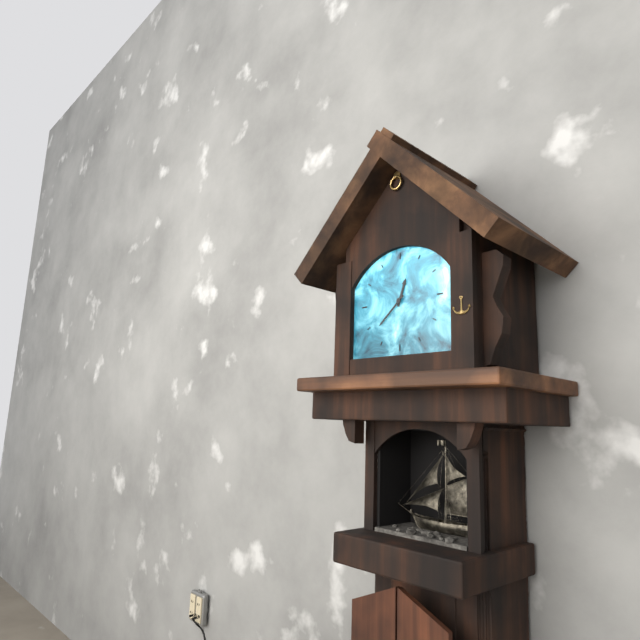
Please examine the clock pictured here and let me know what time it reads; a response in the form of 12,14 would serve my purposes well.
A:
12,38
